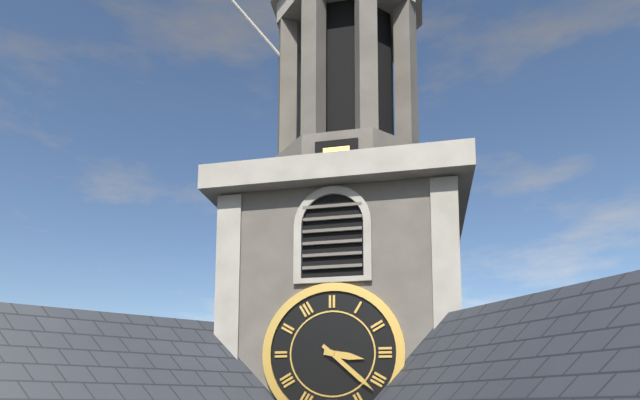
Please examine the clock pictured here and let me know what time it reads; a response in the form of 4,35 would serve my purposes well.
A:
3,22
